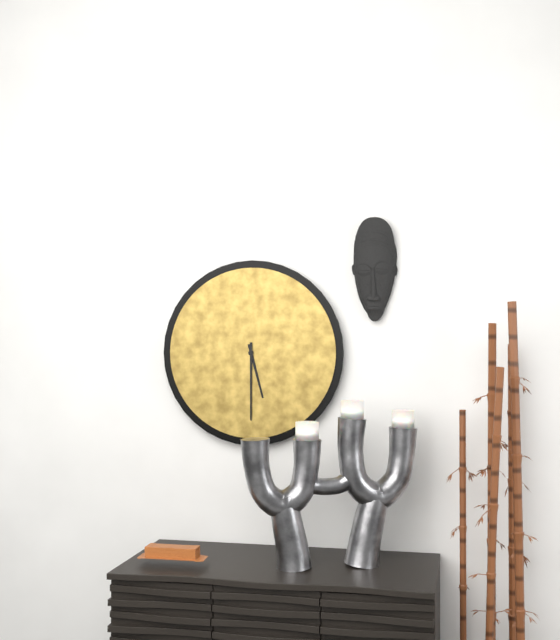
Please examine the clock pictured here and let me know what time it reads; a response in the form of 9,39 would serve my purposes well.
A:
5,30
